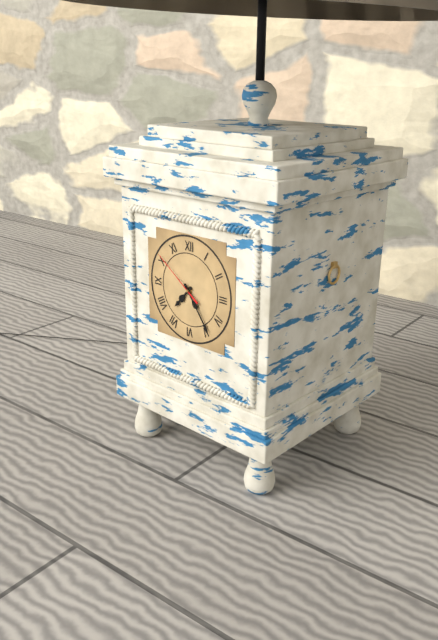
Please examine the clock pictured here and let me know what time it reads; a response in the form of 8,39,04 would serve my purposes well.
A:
7,24,51
